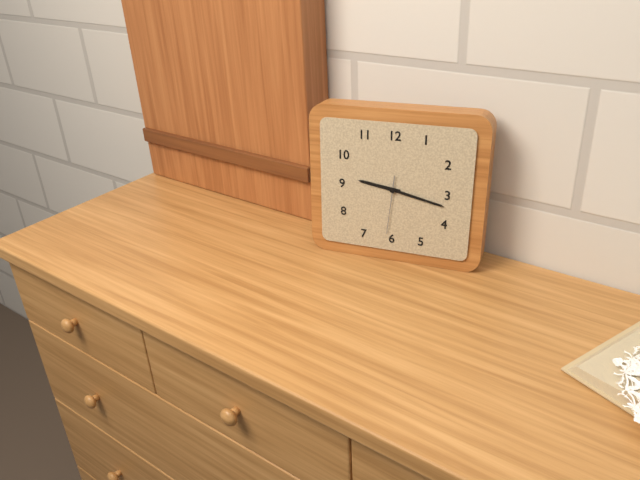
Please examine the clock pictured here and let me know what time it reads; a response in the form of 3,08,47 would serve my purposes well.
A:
9,17,31
